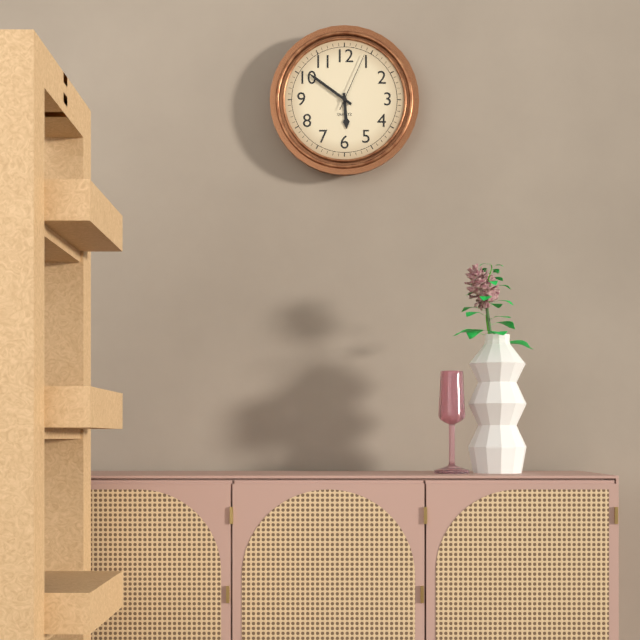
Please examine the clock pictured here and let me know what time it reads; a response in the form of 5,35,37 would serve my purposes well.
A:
5,51,04
